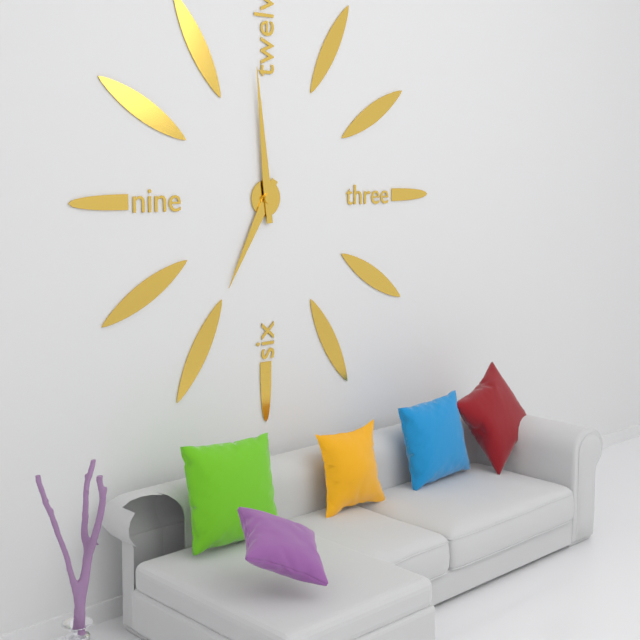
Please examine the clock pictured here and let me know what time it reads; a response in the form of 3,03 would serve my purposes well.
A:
6,59
